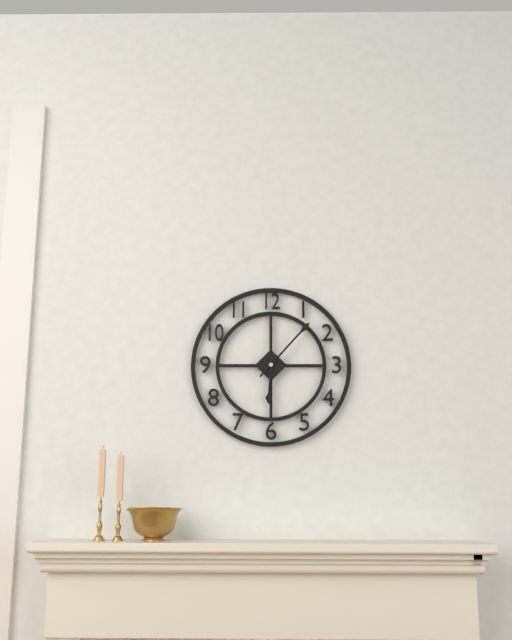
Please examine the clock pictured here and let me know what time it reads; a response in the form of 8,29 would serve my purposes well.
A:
6,07
